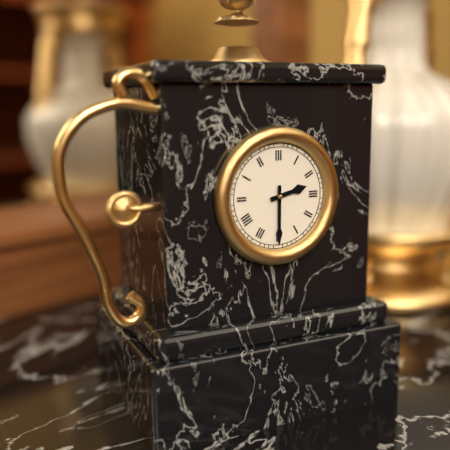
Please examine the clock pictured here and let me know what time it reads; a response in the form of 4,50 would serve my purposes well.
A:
2,30
